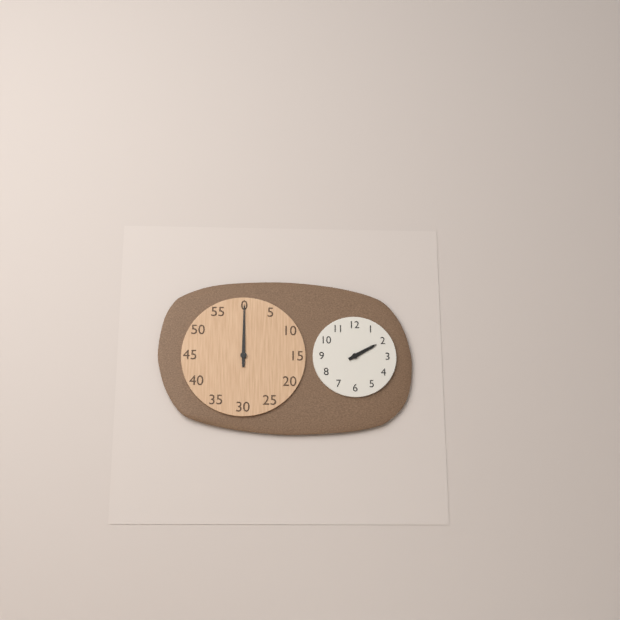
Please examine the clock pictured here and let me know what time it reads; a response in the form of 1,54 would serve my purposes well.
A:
2,00
